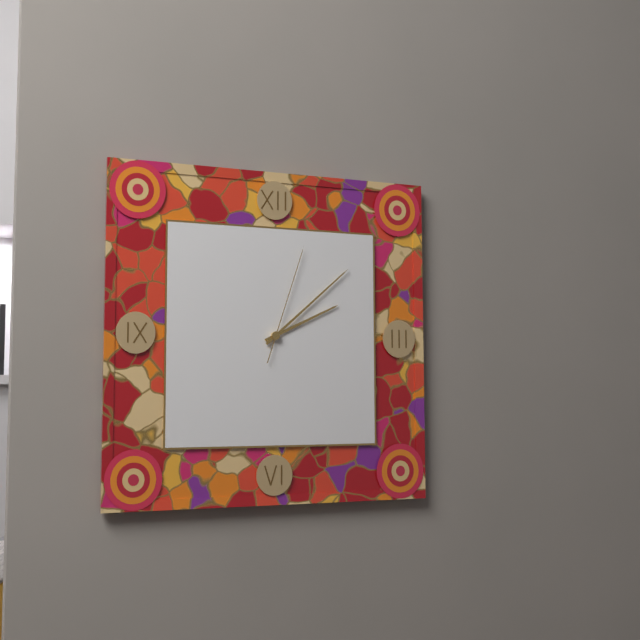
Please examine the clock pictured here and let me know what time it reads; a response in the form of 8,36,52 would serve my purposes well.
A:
2,08,03
